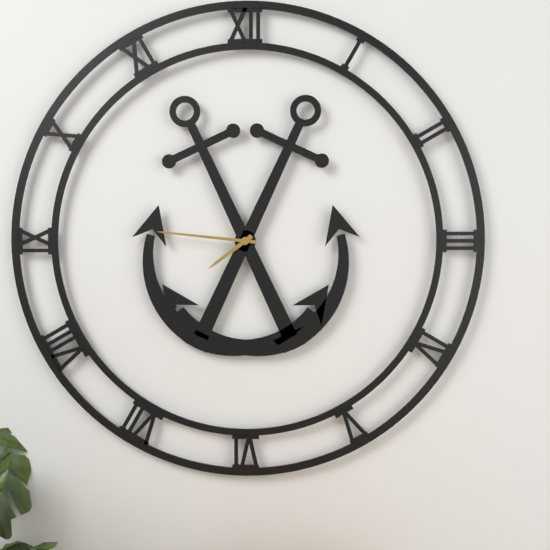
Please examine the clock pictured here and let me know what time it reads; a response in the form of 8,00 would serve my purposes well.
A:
7,46
